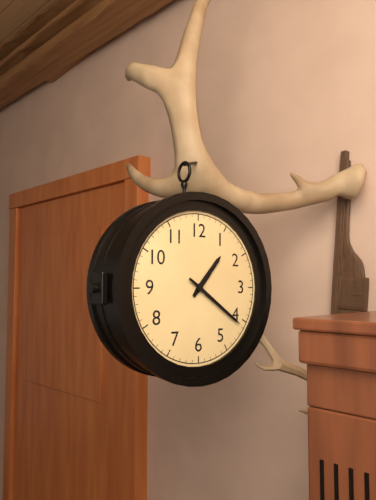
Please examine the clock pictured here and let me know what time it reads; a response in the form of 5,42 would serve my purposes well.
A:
1,21
